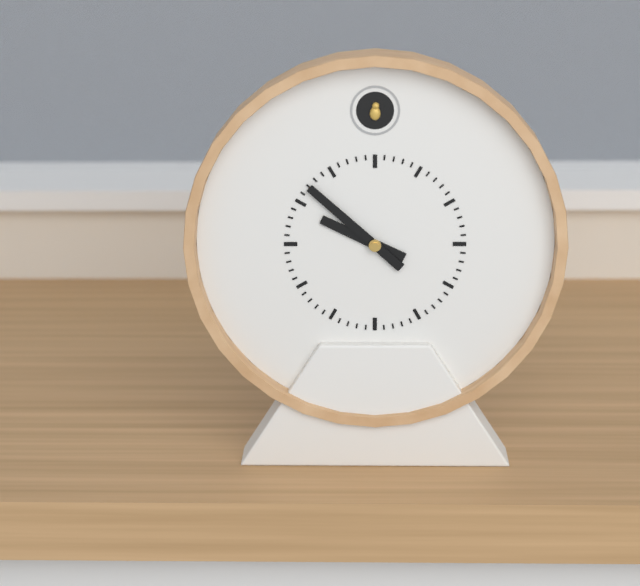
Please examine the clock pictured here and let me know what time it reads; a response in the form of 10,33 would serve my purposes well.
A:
9,52
